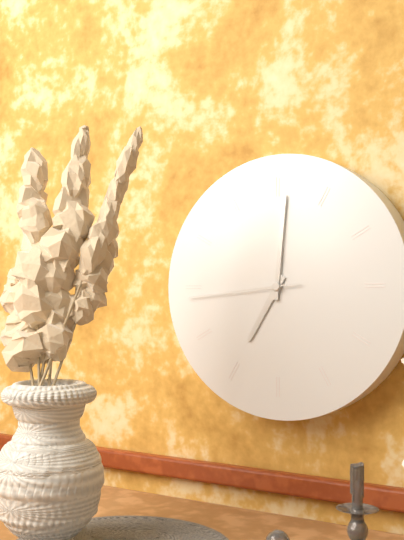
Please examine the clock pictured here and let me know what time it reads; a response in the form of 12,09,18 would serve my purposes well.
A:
7,01,44
